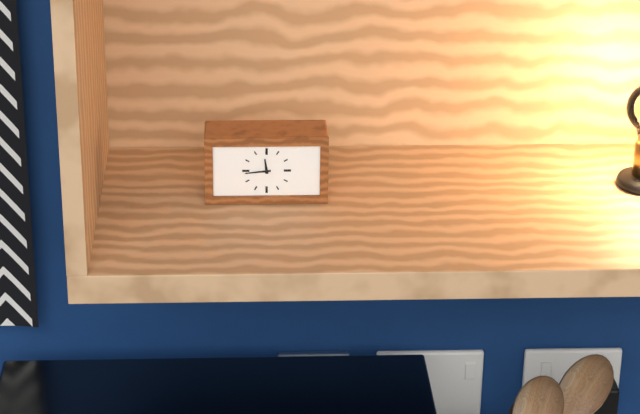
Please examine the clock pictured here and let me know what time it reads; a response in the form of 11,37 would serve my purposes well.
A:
11,44
